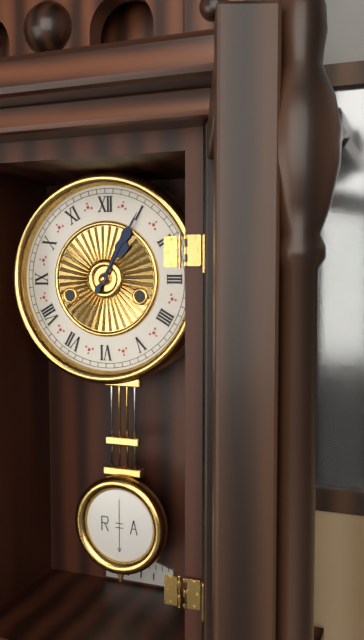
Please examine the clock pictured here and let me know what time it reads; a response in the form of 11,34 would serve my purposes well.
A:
1,05
